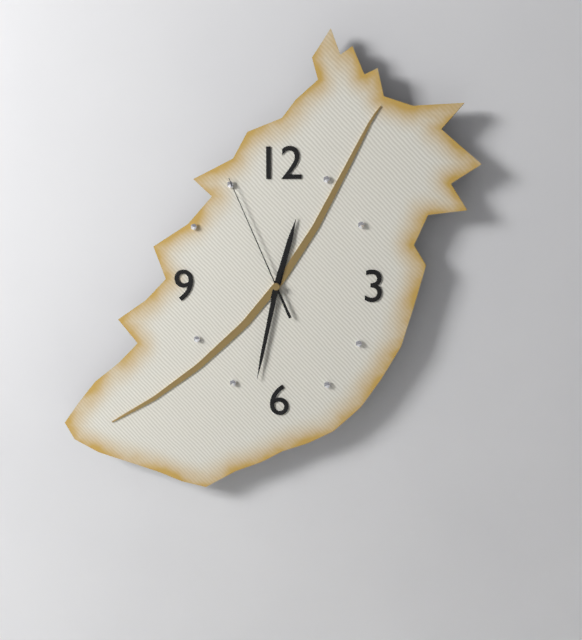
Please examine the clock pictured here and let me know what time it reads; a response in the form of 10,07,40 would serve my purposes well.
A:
12,32,56
